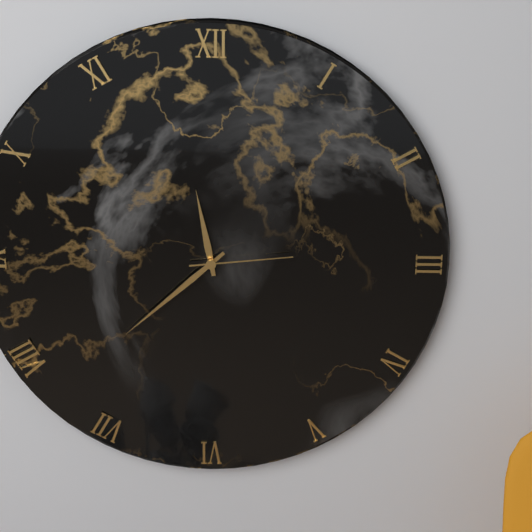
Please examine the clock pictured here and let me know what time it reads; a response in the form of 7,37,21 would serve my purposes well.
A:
11,38,14
